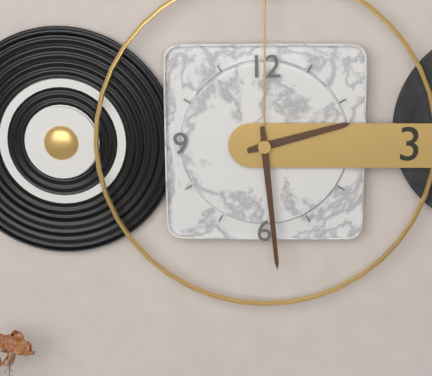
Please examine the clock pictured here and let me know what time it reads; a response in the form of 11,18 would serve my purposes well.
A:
2,29
